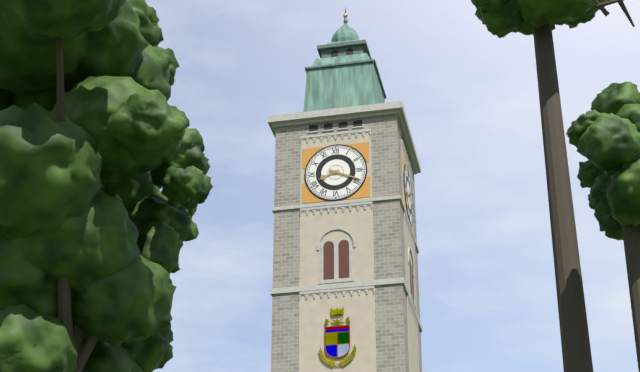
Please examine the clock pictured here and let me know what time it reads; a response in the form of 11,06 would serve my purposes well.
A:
8,19
